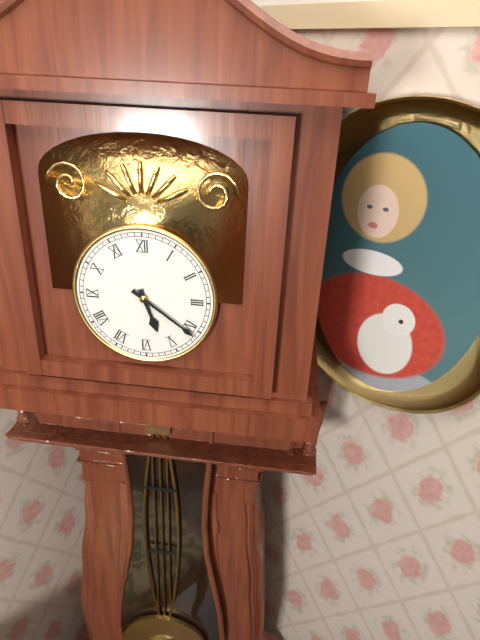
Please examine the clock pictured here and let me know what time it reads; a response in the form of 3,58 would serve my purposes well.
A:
5,21
